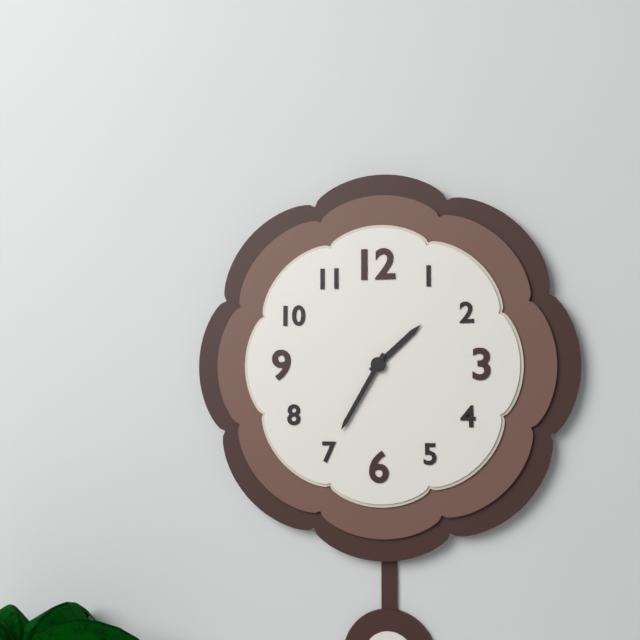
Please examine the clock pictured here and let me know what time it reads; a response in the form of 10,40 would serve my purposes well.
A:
1,35
